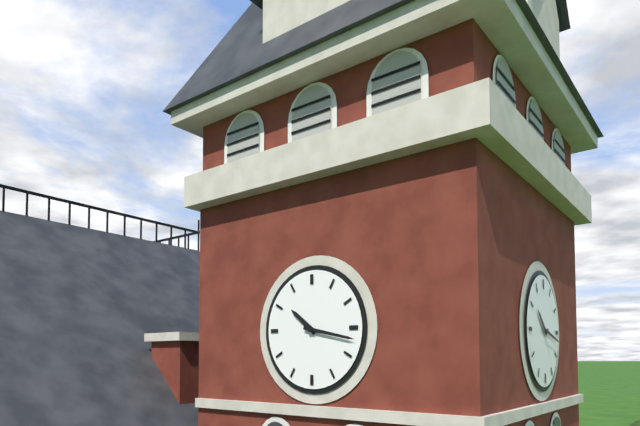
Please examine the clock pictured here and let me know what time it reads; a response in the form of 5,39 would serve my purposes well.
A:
10,17
